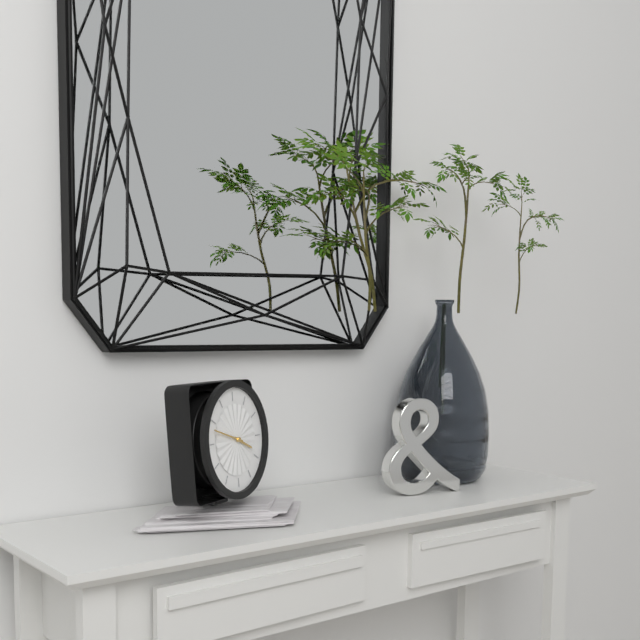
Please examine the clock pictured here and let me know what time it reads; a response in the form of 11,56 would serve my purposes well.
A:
3,48
